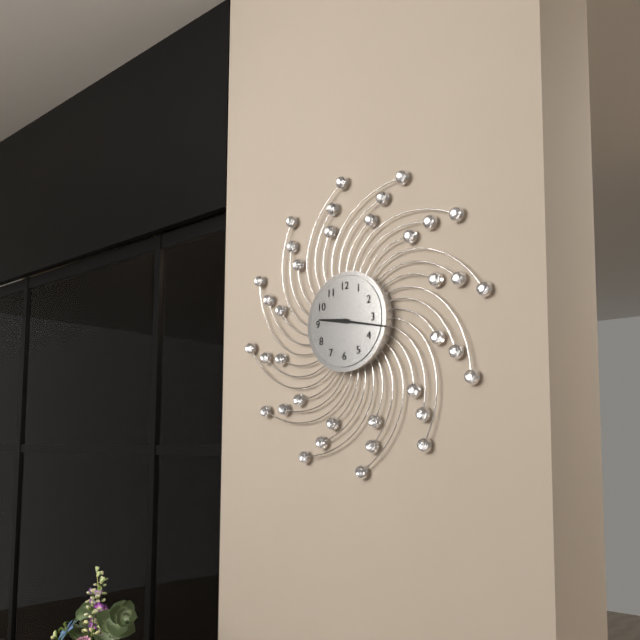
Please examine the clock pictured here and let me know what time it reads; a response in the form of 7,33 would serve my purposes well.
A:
9,17
